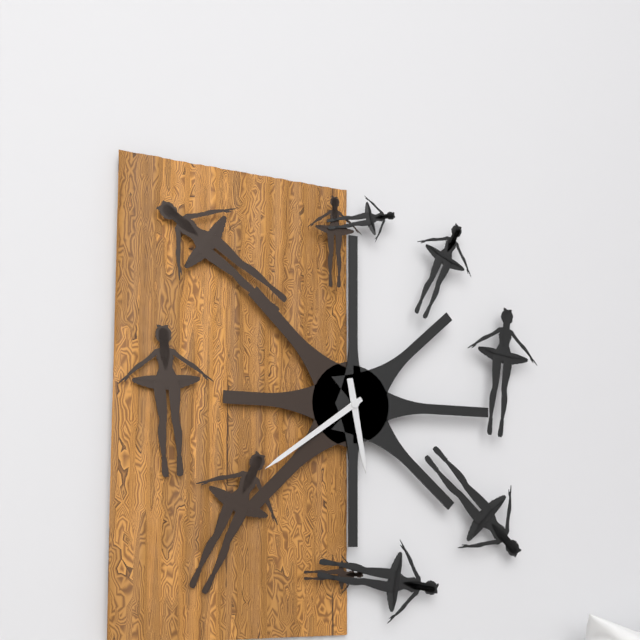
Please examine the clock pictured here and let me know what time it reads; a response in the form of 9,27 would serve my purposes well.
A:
5,39
